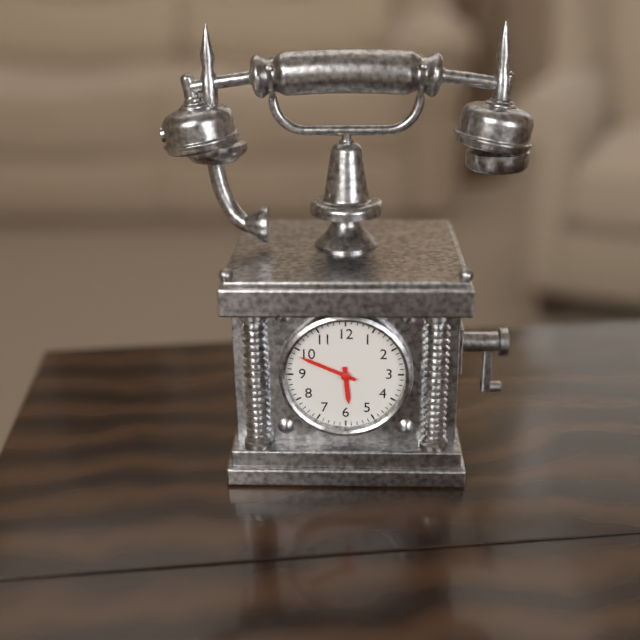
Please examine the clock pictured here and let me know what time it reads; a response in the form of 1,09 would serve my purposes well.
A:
5,49
